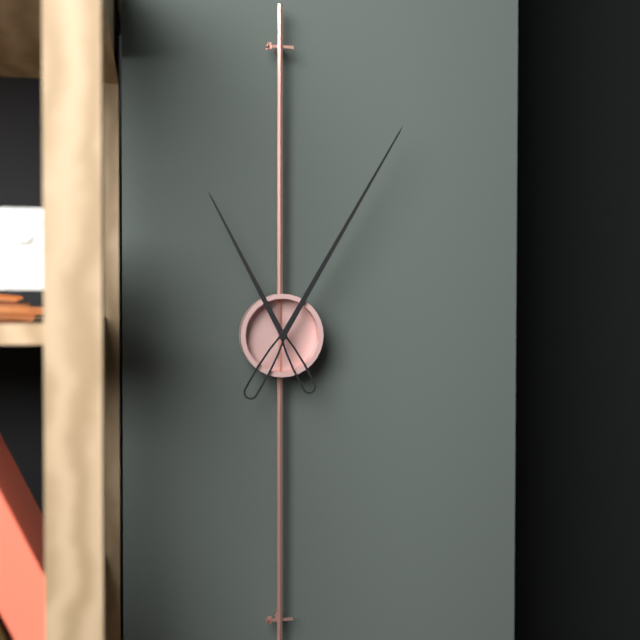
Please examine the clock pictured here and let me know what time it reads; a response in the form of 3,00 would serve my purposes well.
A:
11,05
